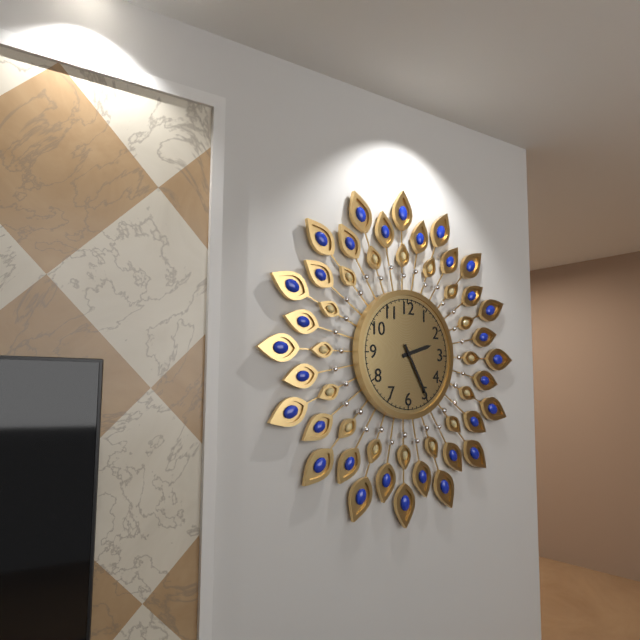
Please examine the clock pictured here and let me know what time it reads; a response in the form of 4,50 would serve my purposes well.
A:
2,25
